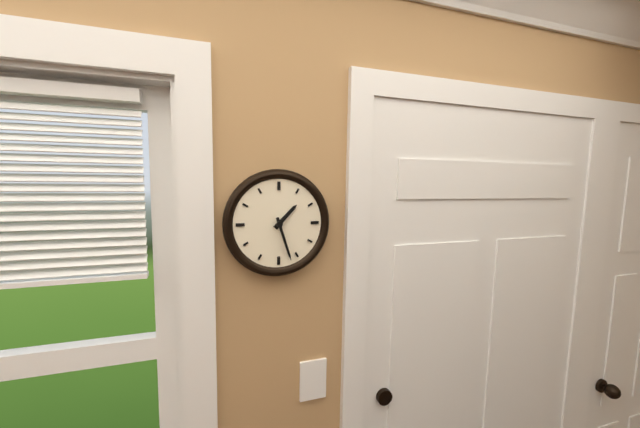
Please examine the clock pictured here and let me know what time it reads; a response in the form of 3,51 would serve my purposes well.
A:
1,27
